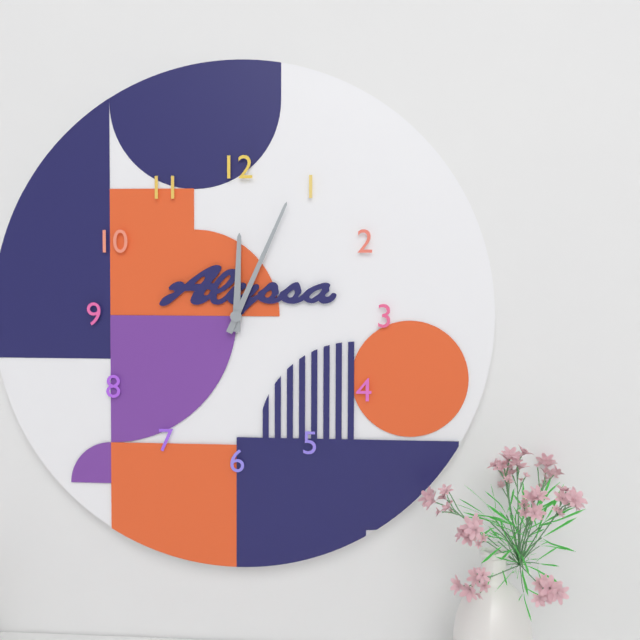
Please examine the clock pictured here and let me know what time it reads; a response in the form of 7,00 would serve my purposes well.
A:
12,04
